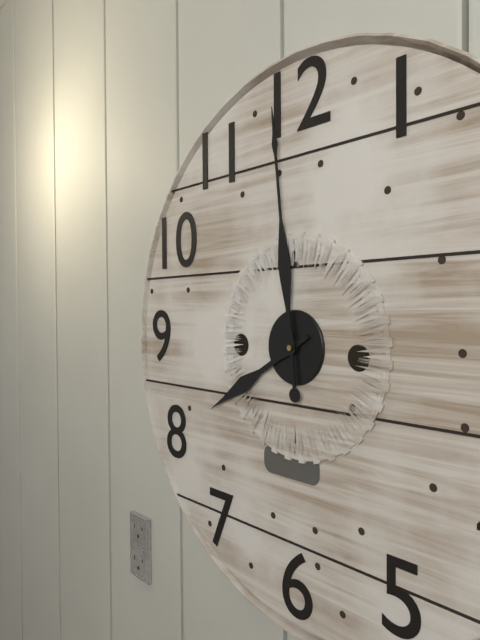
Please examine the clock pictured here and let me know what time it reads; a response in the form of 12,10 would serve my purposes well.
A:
7,59
